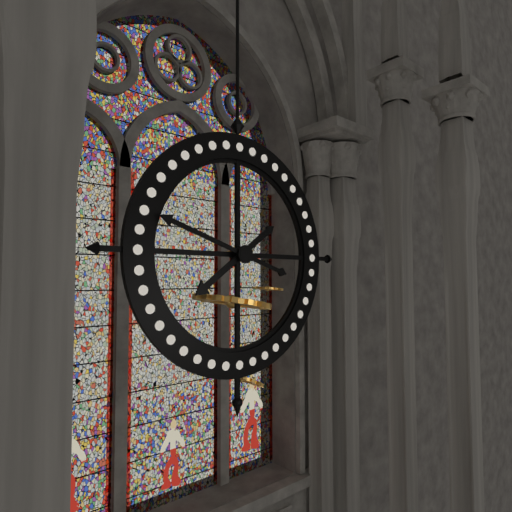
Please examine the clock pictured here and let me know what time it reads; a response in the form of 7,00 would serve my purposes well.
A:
7,48
